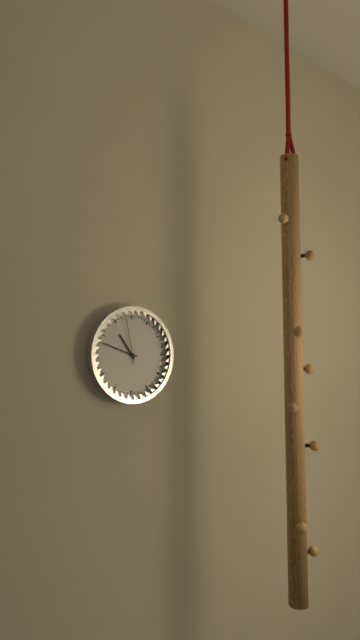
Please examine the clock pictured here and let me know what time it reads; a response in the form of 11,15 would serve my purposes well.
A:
10,48
